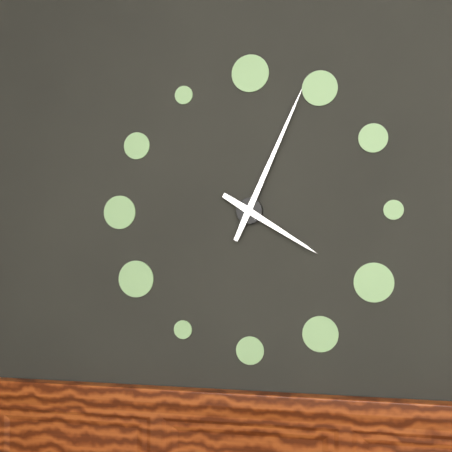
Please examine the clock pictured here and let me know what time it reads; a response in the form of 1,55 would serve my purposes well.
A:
4,04
